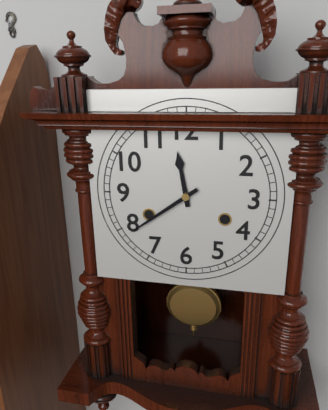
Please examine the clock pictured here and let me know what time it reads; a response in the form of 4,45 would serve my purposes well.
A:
11,39
